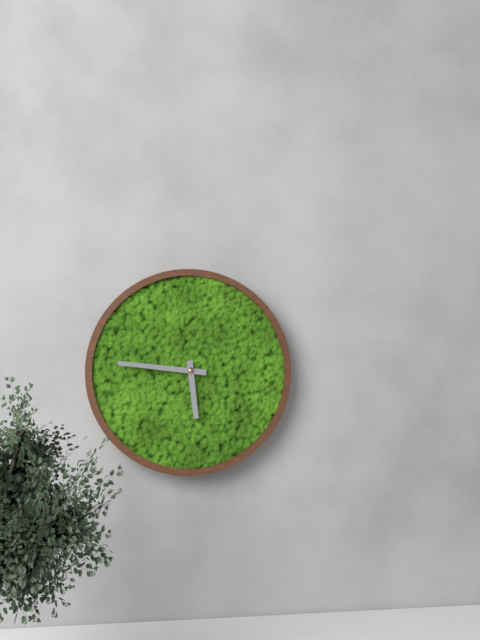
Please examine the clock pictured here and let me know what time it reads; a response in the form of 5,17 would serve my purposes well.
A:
5,46
